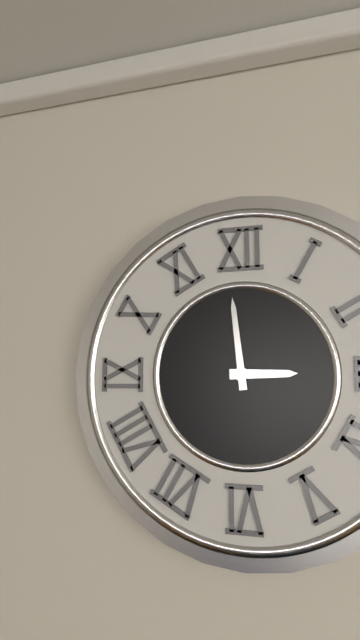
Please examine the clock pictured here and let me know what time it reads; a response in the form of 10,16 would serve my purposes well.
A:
2,59
